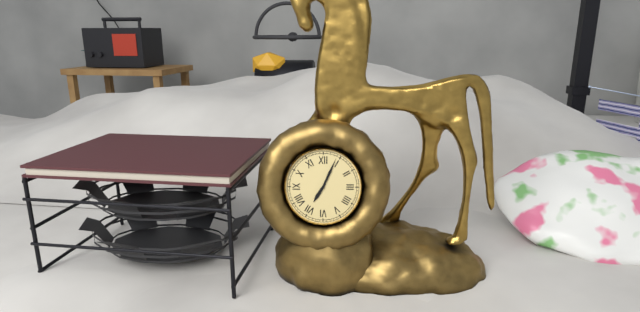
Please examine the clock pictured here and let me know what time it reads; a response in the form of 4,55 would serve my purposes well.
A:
7,04
